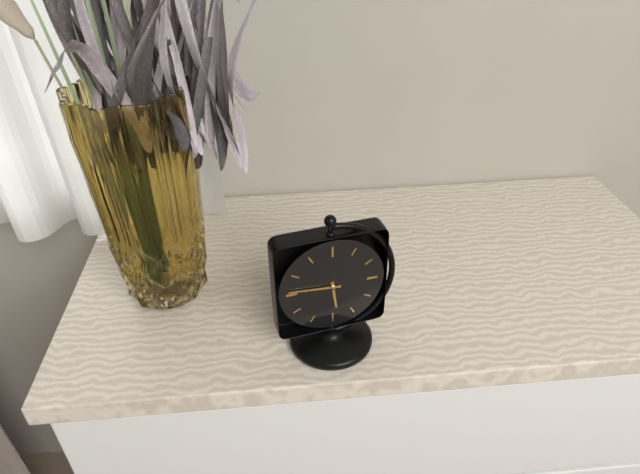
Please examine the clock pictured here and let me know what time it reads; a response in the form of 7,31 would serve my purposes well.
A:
5,46
